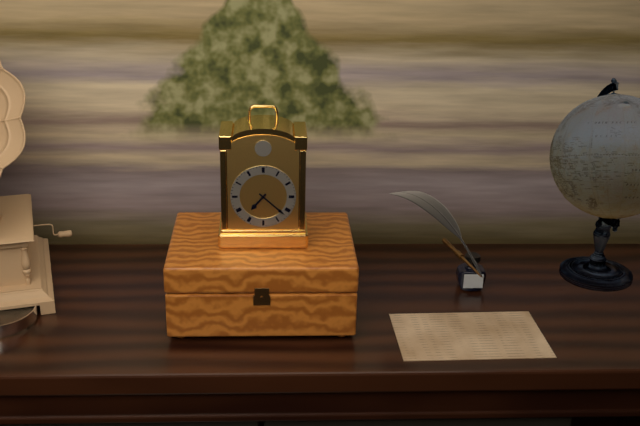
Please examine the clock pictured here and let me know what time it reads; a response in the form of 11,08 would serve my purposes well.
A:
7,22
